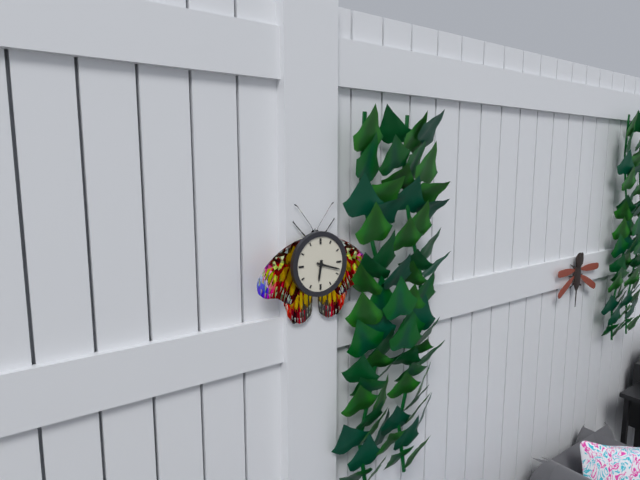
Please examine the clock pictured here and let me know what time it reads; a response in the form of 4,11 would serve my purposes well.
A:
6,18
